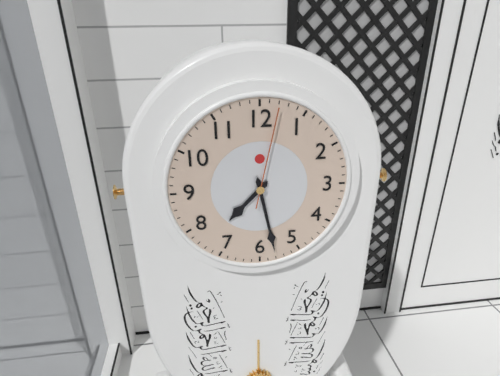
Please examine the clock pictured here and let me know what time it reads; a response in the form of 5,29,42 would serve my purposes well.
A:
7,28,02
